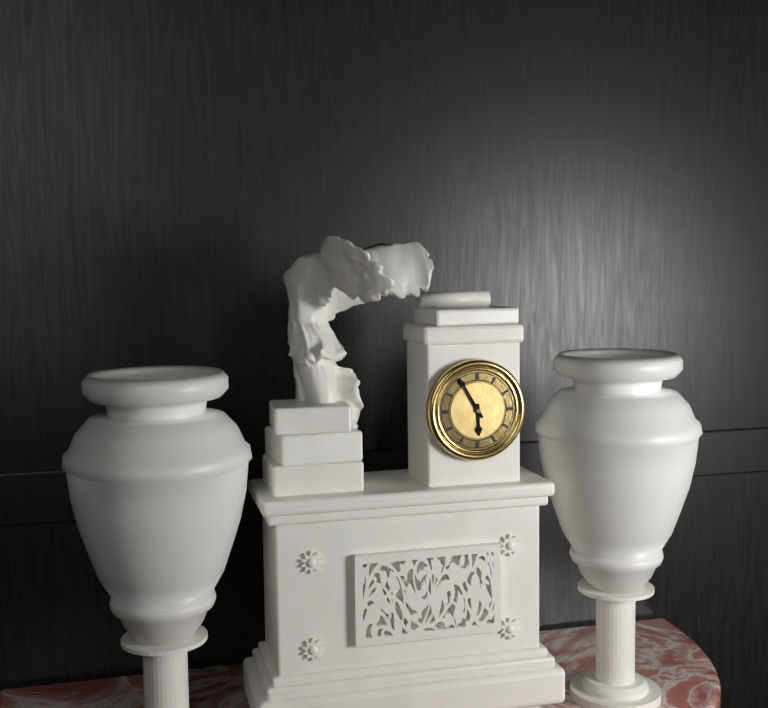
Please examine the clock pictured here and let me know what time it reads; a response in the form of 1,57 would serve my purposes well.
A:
5,55
